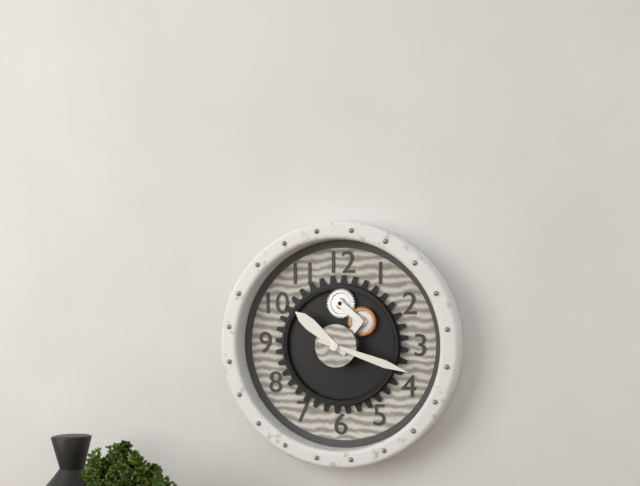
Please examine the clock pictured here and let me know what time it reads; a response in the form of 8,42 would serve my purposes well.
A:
10,18
